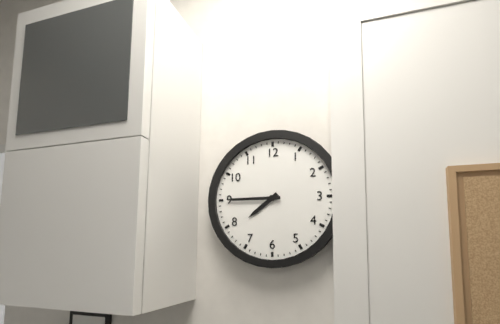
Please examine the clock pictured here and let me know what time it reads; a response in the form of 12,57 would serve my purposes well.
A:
7,45
